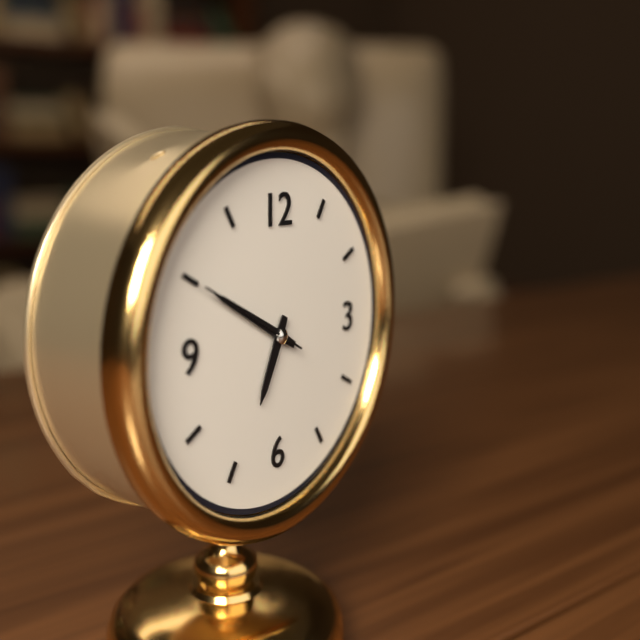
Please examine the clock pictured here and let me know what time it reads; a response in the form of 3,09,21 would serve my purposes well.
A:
6,50,50
